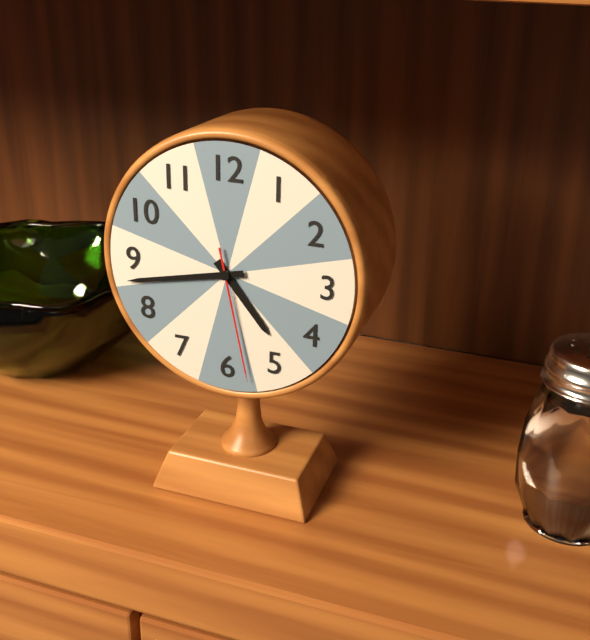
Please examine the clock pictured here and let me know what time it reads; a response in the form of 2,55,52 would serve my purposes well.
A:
4,43,28
